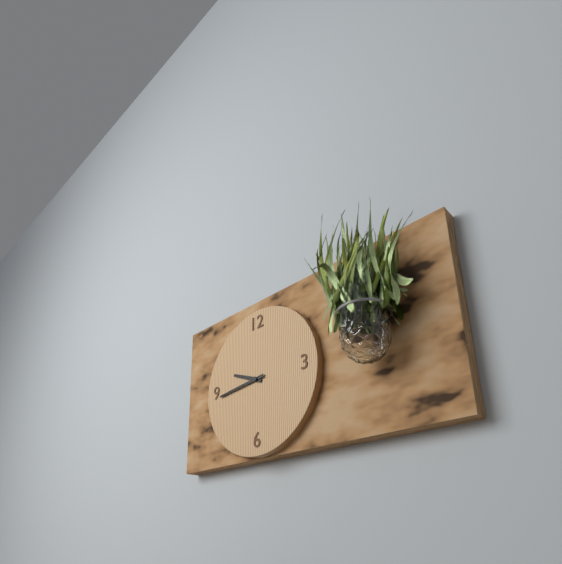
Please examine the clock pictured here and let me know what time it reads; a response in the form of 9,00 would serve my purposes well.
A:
9,44
